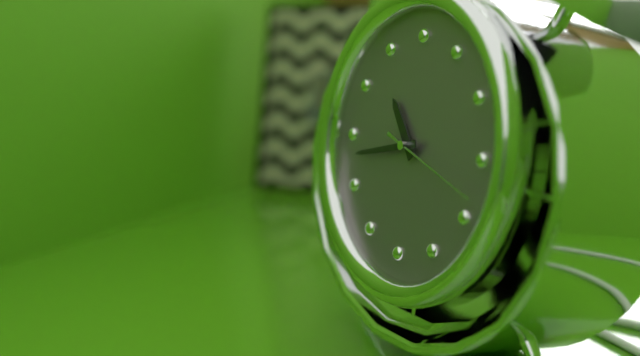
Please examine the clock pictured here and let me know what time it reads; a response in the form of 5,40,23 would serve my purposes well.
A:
10,43,18
